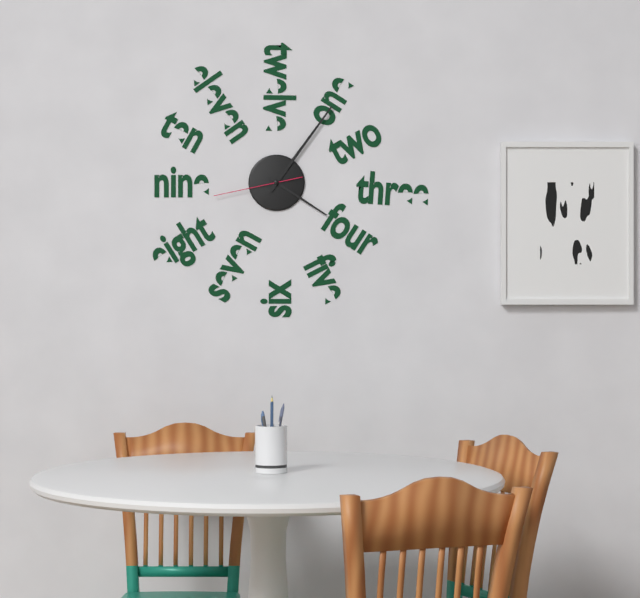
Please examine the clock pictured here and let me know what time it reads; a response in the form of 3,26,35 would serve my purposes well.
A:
4,06,43
